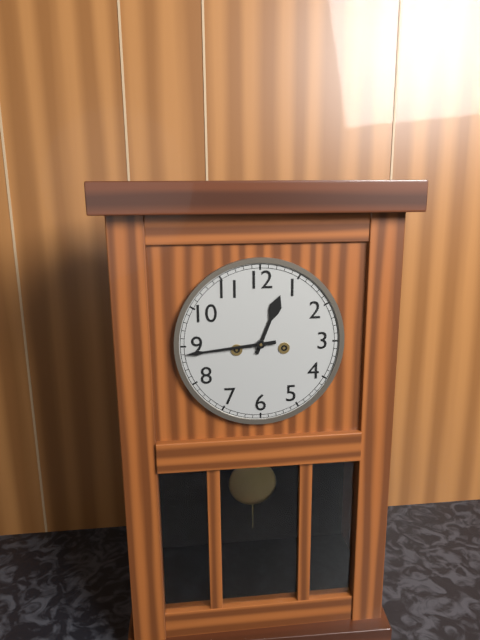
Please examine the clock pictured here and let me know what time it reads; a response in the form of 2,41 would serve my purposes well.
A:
12,44
